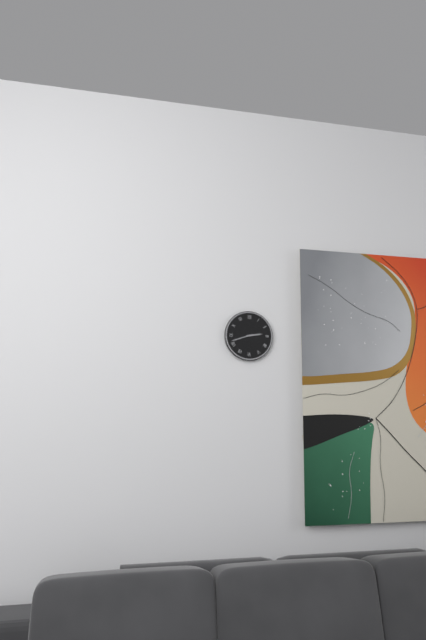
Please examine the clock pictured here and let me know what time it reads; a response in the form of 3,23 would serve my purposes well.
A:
2,42
